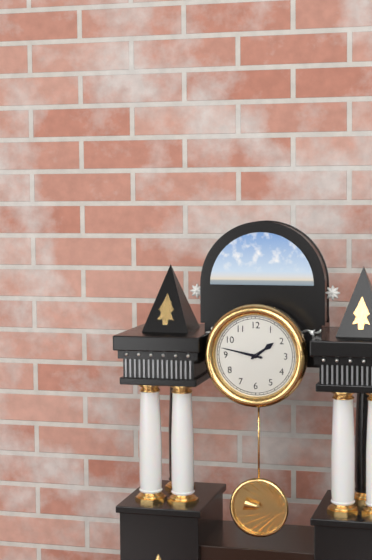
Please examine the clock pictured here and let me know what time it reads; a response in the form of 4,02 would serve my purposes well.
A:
1,47
